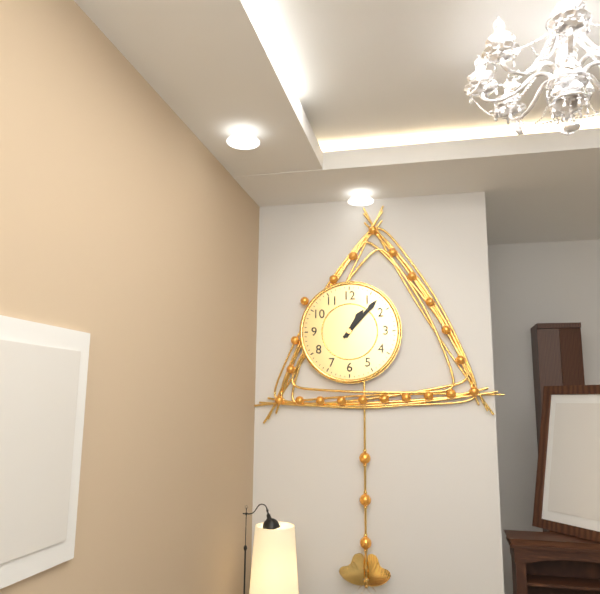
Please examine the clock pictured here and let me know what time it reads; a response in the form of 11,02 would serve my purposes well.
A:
1,07
